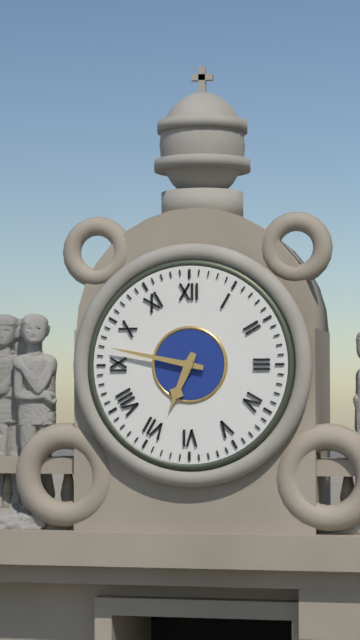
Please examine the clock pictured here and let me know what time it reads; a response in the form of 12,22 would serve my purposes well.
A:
6,47
